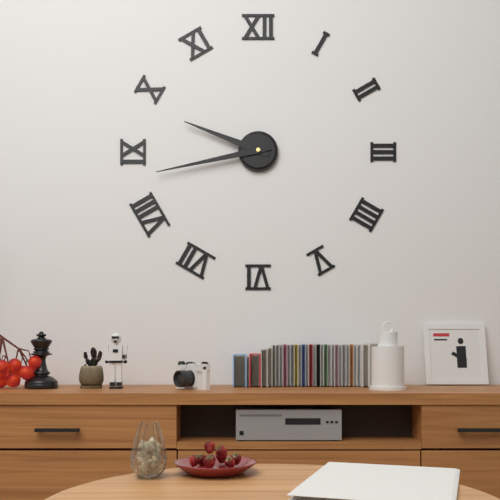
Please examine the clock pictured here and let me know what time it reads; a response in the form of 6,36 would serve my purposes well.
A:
9,43
